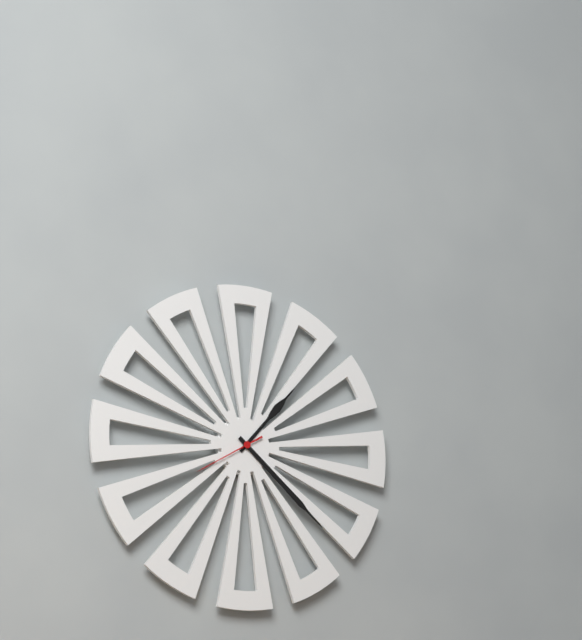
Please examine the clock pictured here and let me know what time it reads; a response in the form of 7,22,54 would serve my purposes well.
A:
1,22,40
